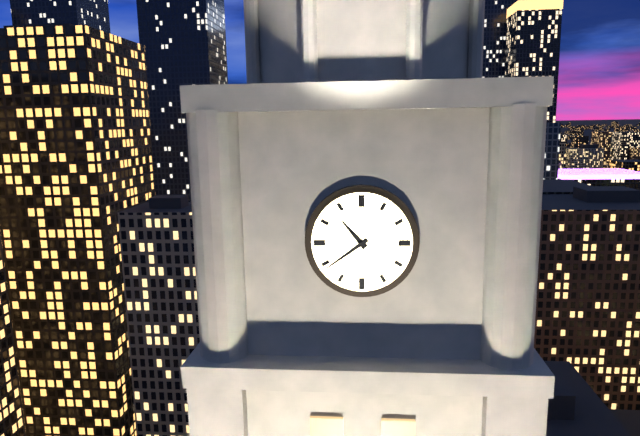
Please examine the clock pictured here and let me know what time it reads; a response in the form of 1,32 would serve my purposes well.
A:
10,39
